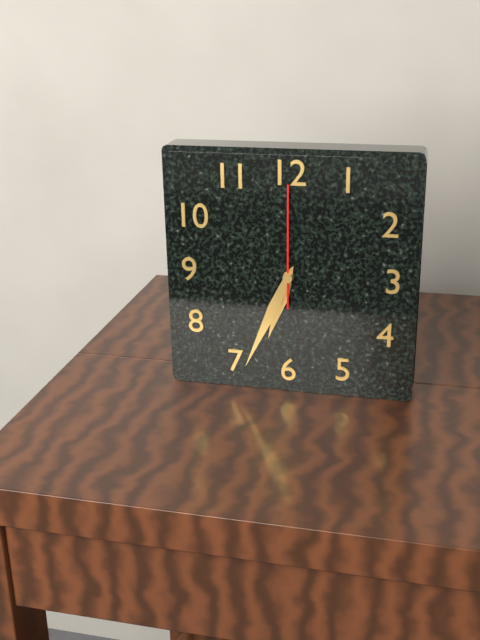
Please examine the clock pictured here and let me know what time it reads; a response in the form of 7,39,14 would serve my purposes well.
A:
6,34,00
